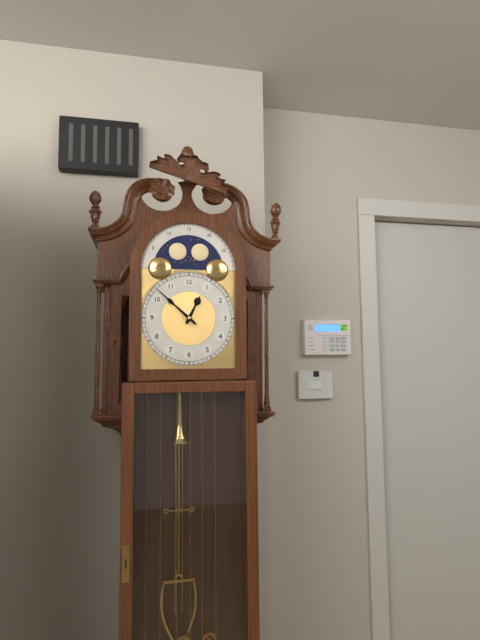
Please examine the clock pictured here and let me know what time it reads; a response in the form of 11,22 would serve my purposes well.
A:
12,52
